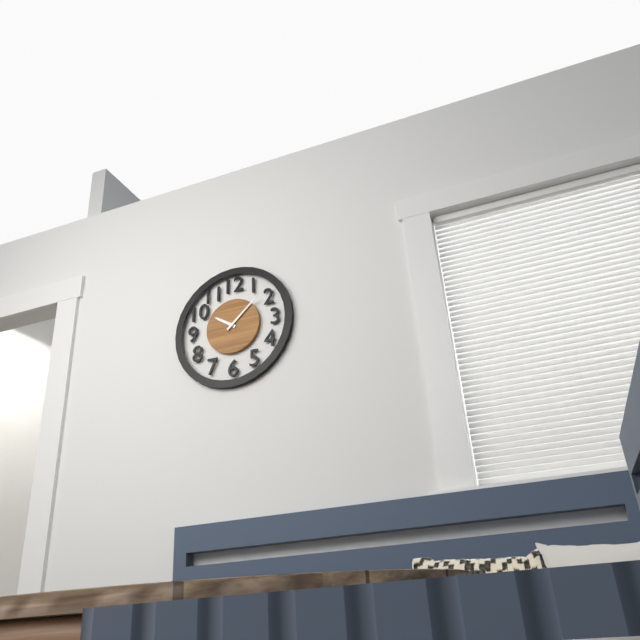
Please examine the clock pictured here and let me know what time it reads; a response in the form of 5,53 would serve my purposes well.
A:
10,08
